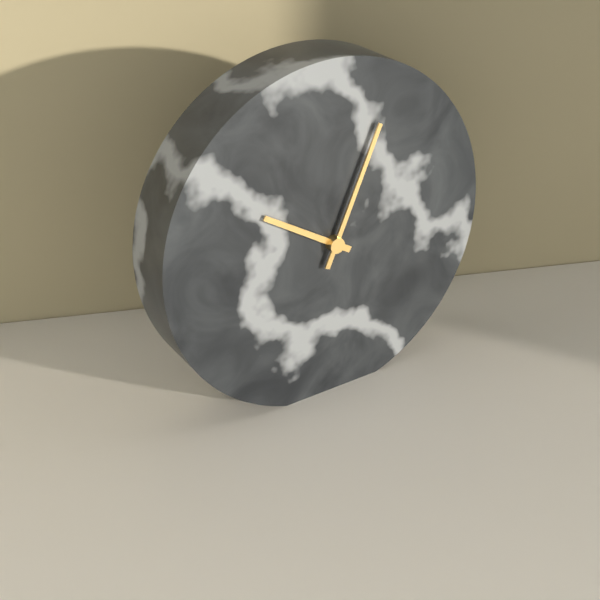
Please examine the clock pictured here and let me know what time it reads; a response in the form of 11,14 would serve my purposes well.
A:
10,04
